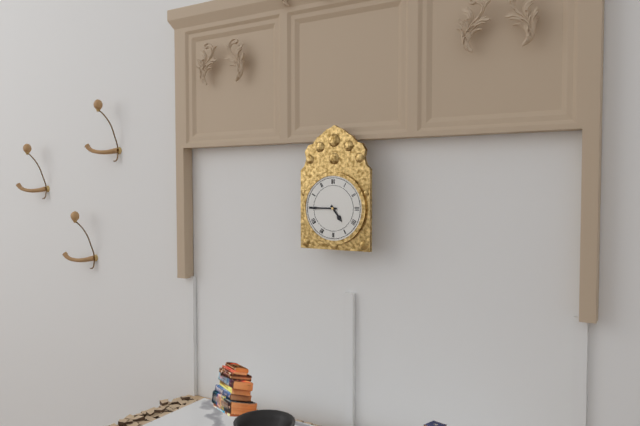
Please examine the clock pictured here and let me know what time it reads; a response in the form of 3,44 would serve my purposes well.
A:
4,45
